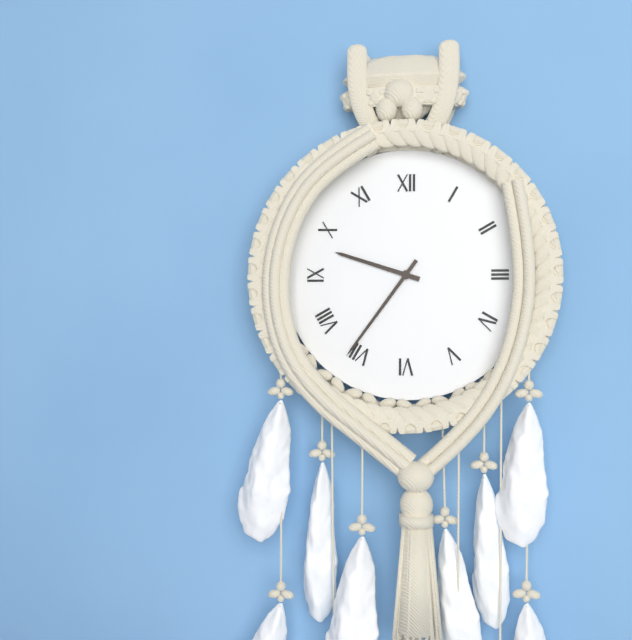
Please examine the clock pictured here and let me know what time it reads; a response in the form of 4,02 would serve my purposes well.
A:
9,36
